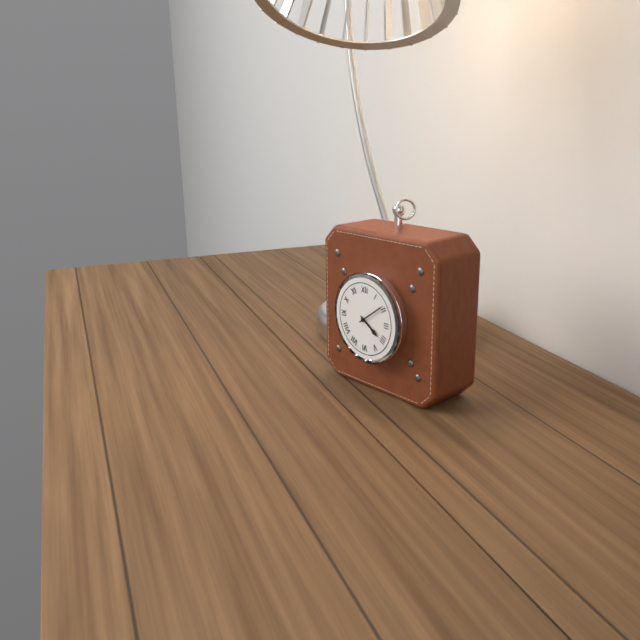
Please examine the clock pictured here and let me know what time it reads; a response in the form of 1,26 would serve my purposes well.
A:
4,09
